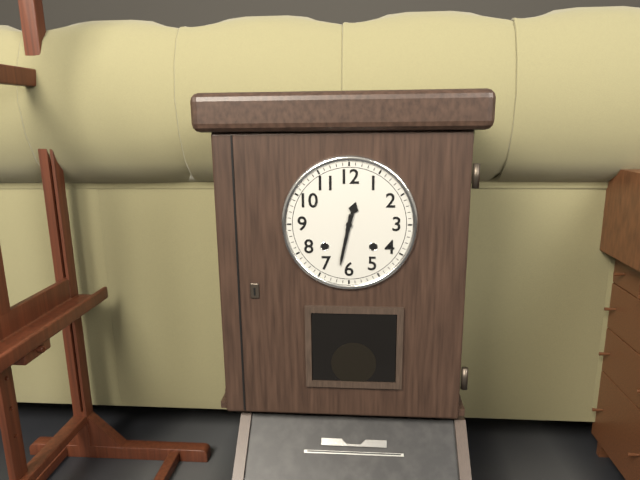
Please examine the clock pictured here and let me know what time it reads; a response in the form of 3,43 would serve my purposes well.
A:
12,32
